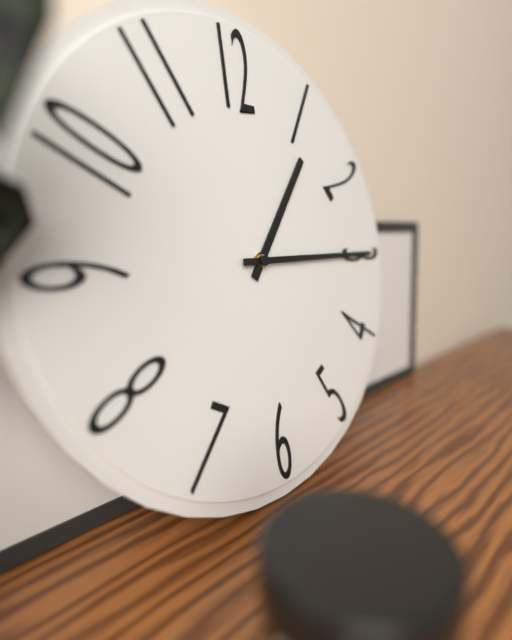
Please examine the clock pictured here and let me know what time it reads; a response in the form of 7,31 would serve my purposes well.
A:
1,15
